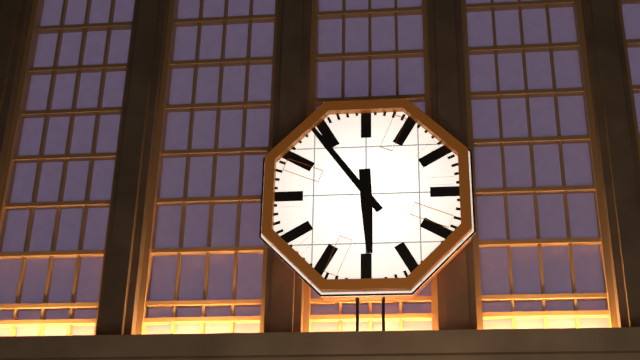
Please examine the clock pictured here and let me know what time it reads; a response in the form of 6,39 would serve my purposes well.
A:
5,54
